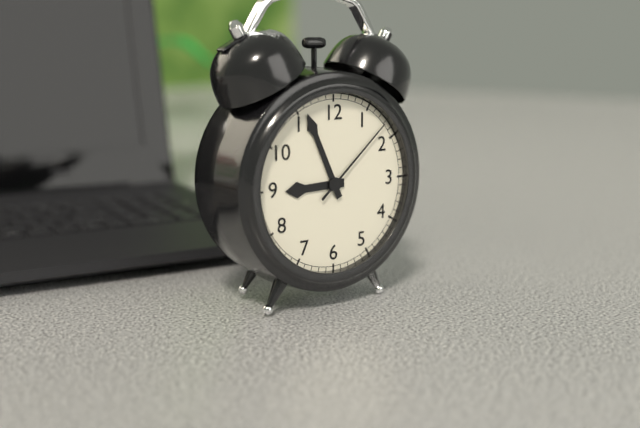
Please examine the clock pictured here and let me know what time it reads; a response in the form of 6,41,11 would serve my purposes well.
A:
8,56,08
